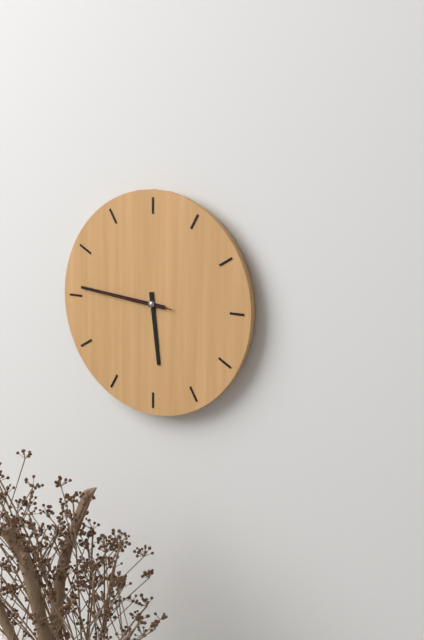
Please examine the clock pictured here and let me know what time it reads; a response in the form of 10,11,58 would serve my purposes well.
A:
5,46,46
